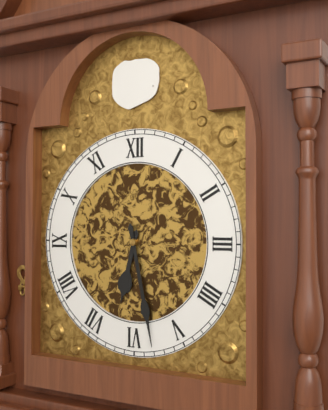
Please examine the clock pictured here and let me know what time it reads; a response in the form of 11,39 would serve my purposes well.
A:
6,28
